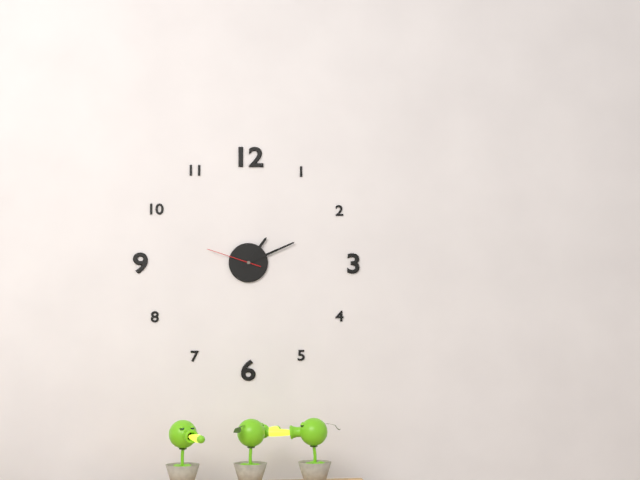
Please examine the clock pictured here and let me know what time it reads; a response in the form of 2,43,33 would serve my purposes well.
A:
1,11,48
